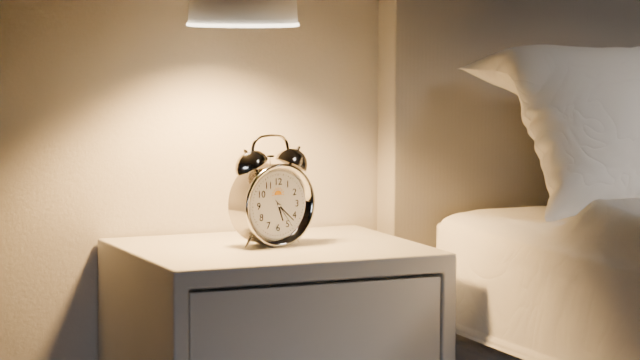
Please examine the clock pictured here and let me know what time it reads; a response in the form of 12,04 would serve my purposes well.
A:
5,22
